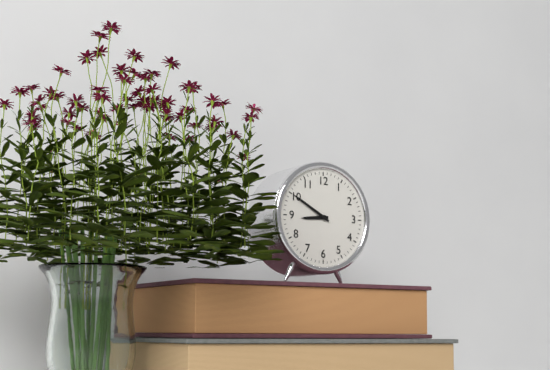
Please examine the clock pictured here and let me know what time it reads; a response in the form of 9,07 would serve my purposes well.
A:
8,50
